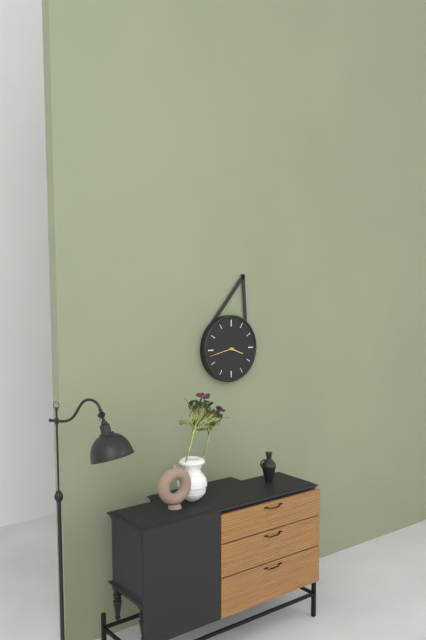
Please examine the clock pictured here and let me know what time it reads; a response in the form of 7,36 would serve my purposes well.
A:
3,43
